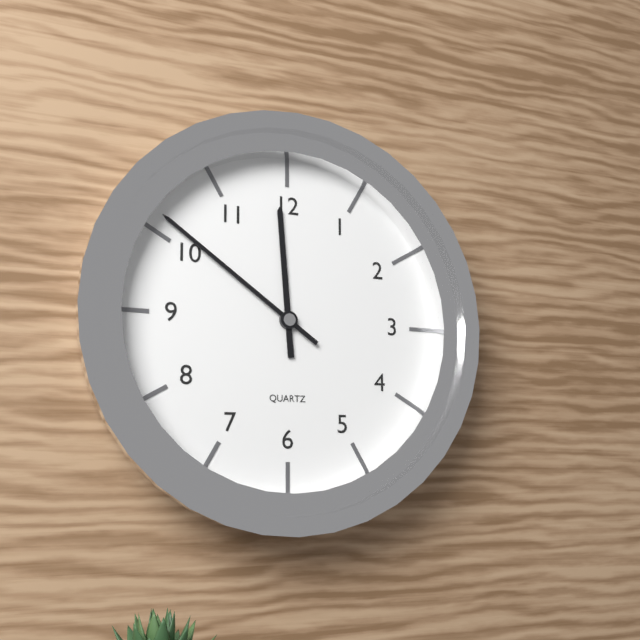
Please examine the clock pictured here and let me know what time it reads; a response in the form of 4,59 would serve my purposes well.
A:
11,51
